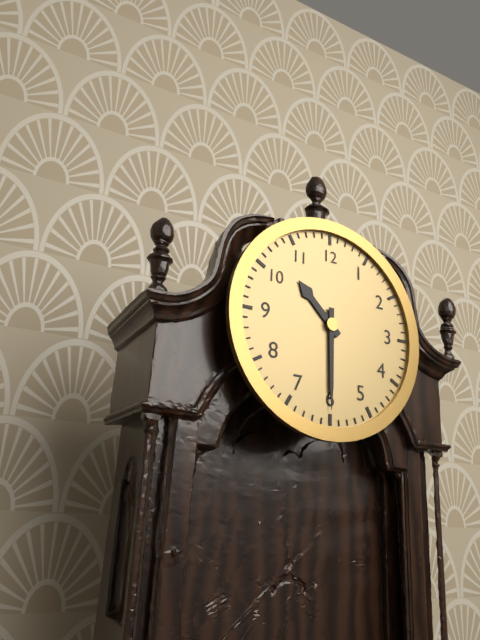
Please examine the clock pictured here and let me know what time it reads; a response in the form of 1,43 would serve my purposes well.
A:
10,30
